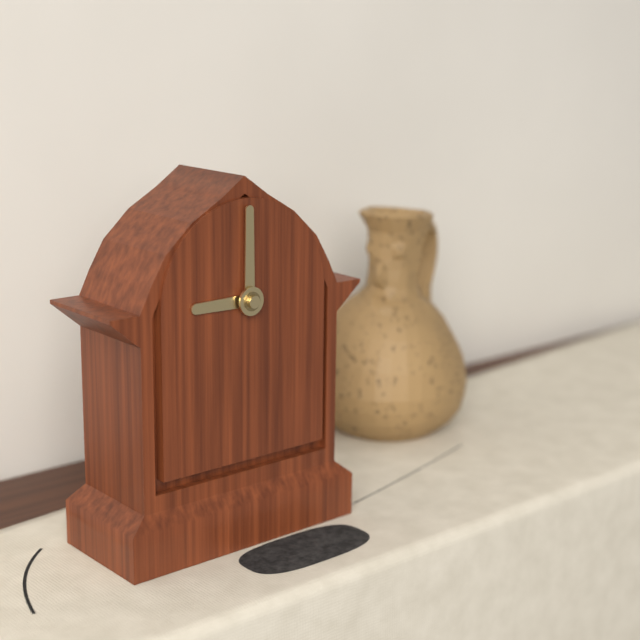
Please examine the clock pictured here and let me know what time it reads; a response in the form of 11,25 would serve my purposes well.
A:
9,00
